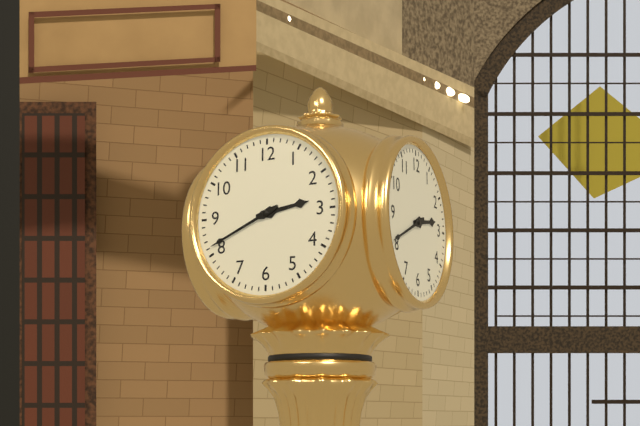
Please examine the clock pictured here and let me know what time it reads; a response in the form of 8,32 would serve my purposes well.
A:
2,41
